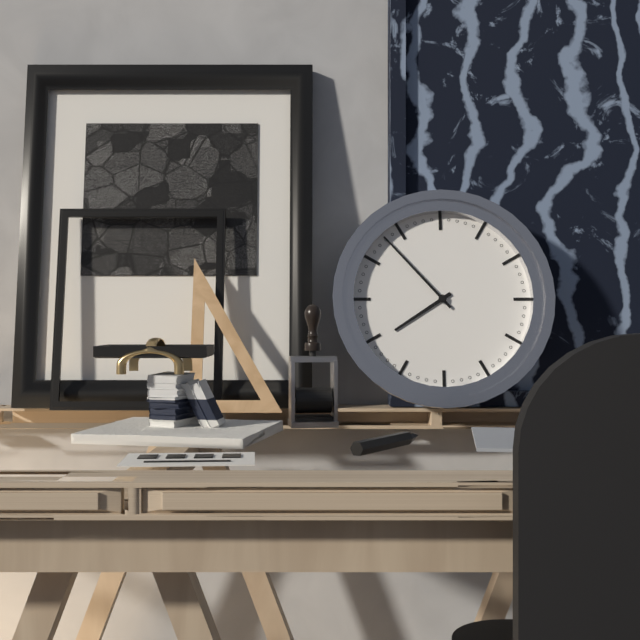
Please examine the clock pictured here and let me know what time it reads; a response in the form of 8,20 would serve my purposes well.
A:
7,53
